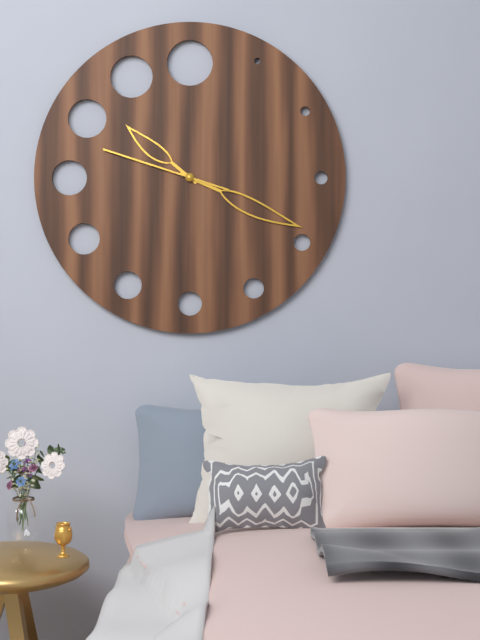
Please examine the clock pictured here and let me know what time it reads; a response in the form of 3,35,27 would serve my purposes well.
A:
10,19,48
